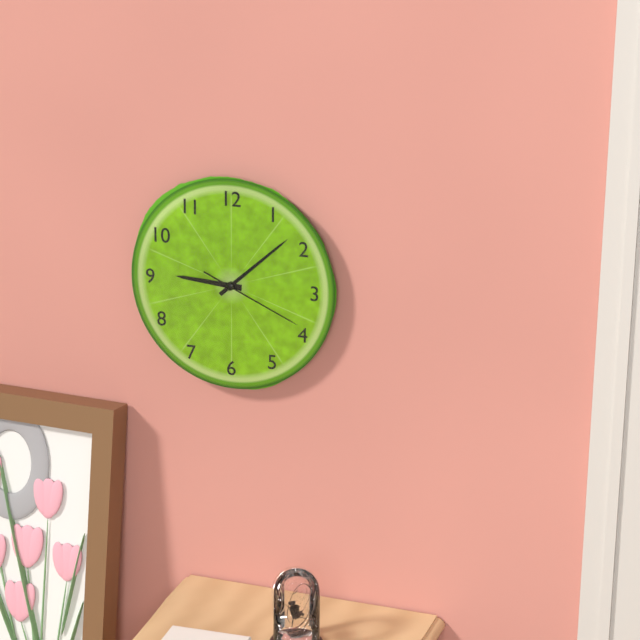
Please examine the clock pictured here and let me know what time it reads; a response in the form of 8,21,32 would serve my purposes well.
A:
9,08,19
